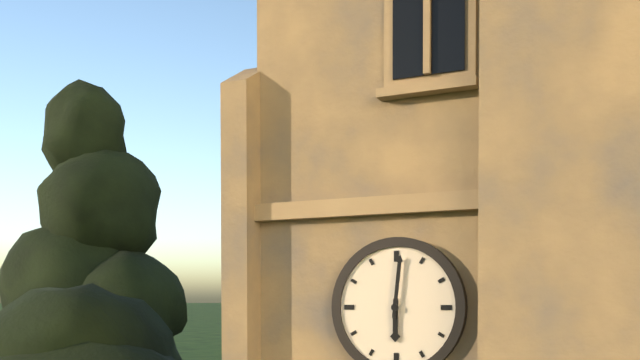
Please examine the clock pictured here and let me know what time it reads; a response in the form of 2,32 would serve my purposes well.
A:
6,01
